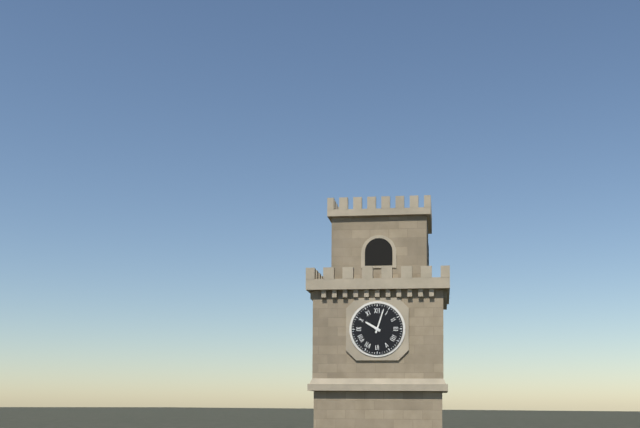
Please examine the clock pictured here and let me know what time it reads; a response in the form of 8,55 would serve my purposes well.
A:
10,03
